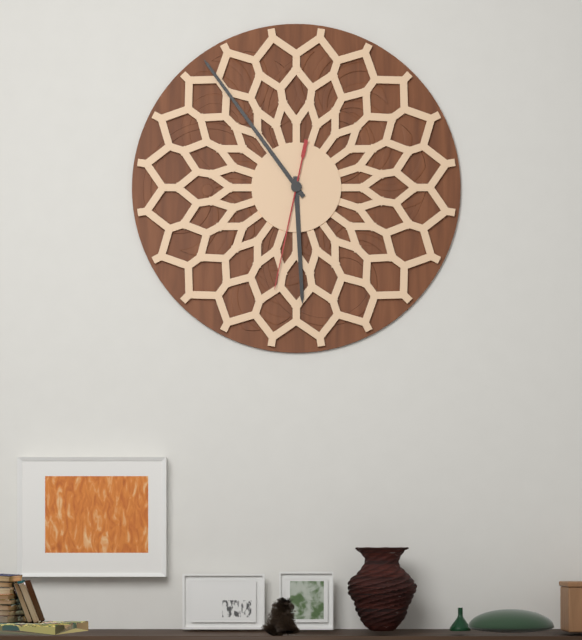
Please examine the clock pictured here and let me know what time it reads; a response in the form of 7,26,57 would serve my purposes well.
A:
5,54,32
